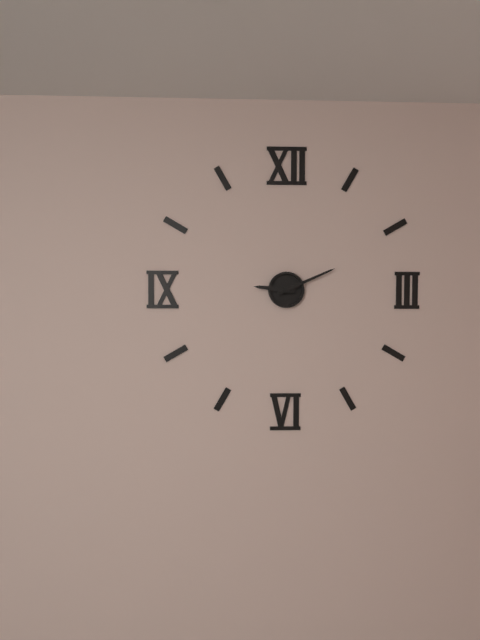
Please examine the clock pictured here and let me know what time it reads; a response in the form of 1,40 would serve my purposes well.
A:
9,11
